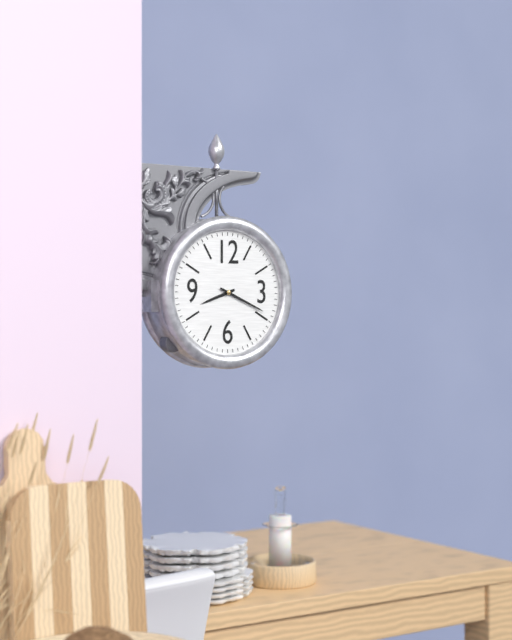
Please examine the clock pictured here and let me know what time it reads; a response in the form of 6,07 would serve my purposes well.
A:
8,19
